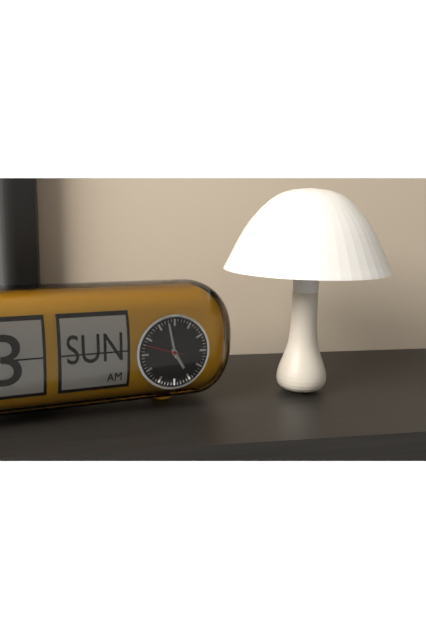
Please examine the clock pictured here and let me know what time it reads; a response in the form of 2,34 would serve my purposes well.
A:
4,58
